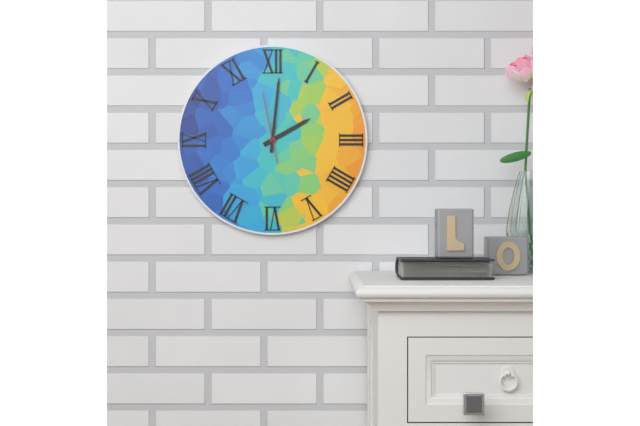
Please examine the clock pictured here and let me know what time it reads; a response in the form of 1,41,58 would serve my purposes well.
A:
2,01,58
